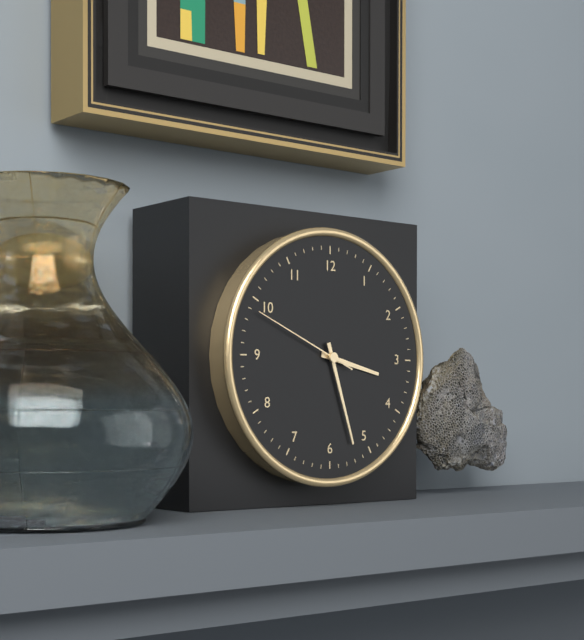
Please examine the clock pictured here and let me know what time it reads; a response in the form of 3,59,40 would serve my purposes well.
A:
3,27,49
